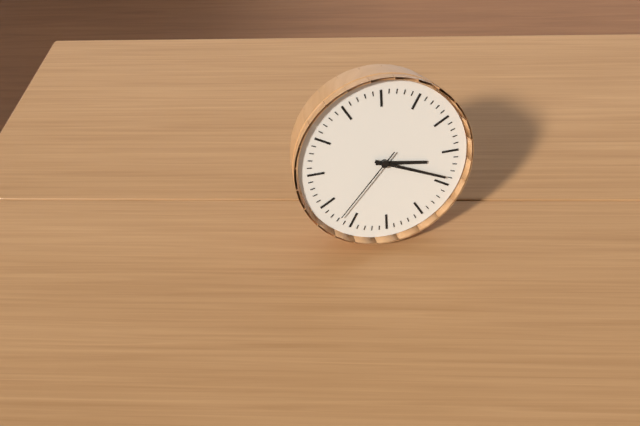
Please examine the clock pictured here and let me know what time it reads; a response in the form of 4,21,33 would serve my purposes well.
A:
3,19,37
